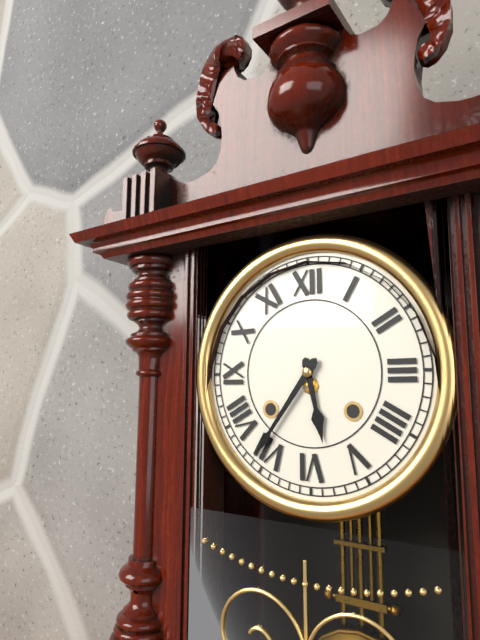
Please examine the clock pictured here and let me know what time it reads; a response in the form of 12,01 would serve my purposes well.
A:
5,36
